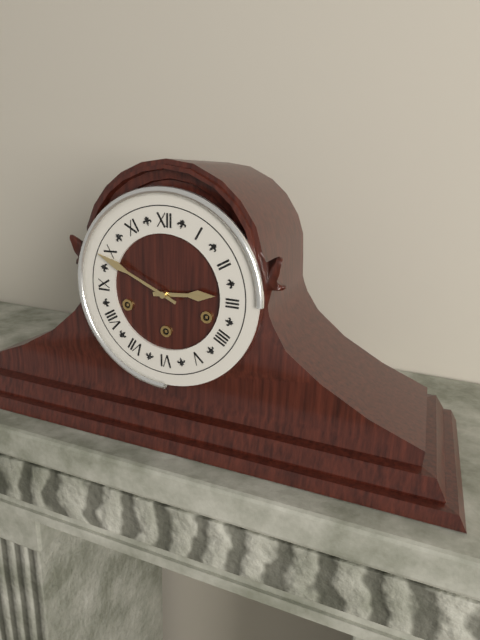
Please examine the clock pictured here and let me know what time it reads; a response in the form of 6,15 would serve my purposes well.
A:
2,49
